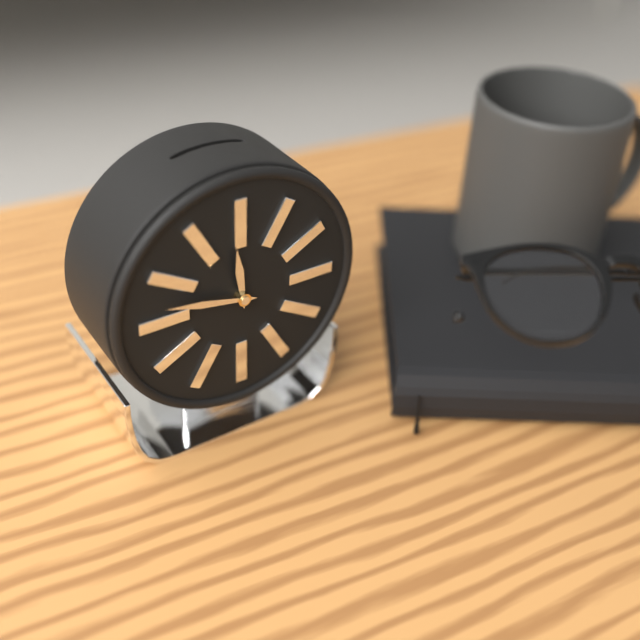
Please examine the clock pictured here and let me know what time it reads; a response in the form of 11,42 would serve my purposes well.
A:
11,47
